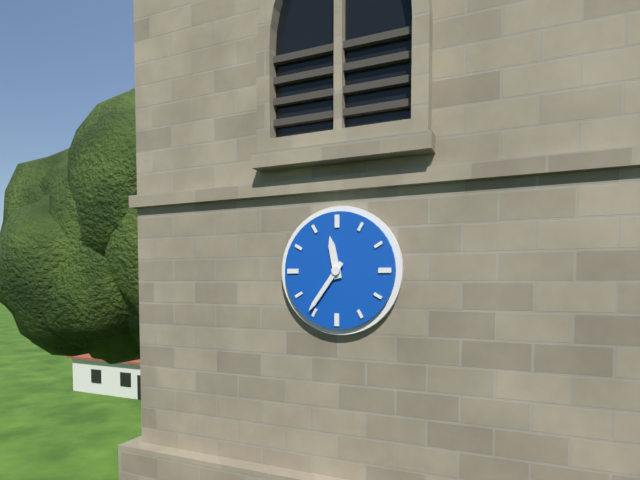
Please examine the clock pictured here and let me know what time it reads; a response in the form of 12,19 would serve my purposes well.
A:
11,36
